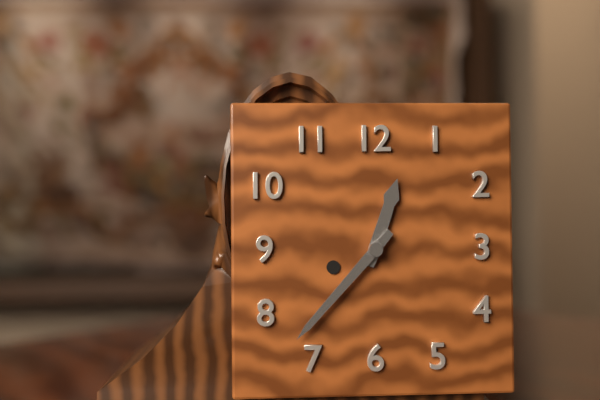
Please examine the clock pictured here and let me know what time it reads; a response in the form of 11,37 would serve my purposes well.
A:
12,37
